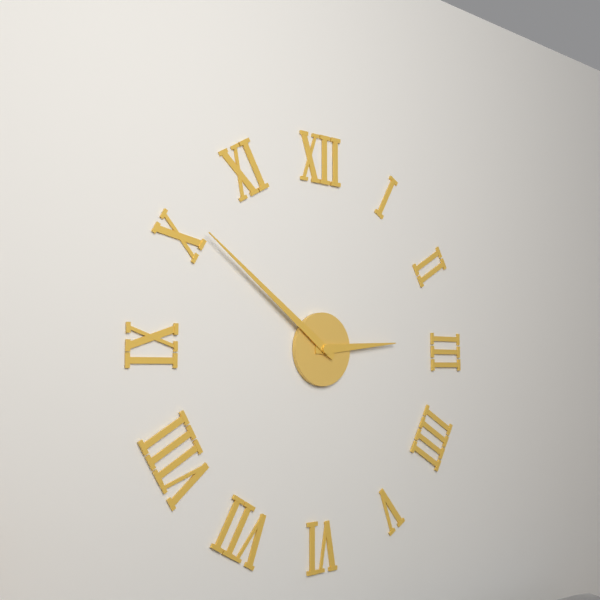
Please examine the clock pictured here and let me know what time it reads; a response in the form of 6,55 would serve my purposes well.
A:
2,51
